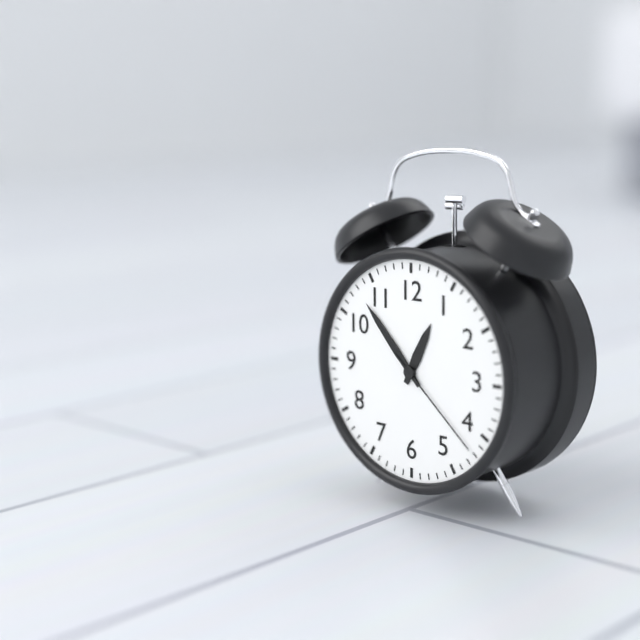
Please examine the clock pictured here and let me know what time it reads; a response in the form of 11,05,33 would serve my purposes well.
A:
12,53,22
